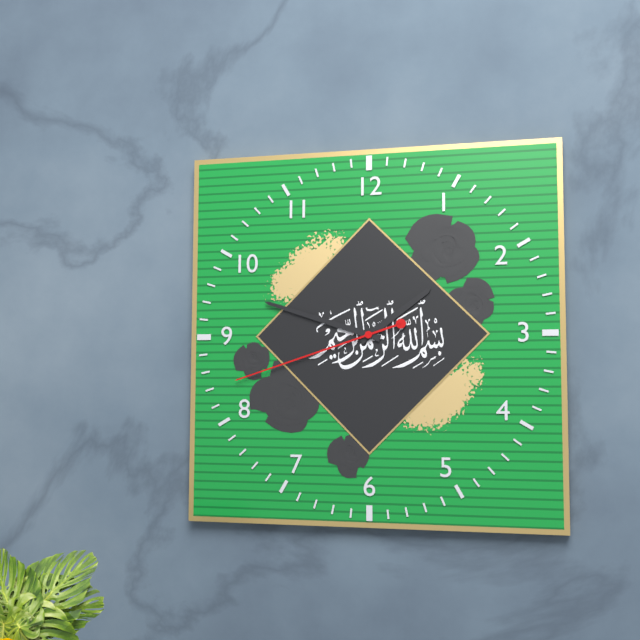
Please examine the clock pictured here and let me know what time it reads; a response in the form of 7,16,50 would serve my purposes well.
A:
1,48,42
